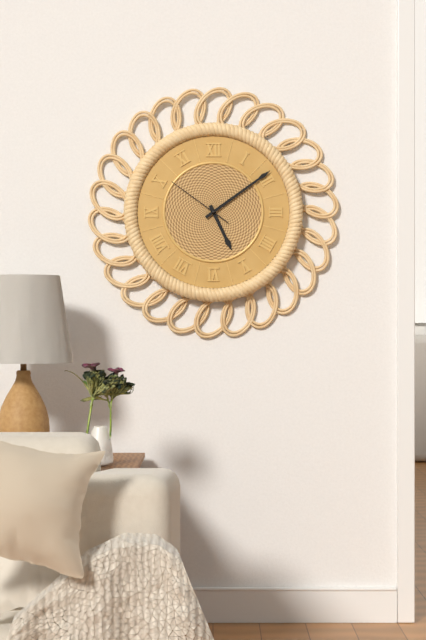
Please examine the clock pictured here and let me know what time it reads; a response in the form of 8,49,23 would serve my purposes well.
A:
5,09,51
